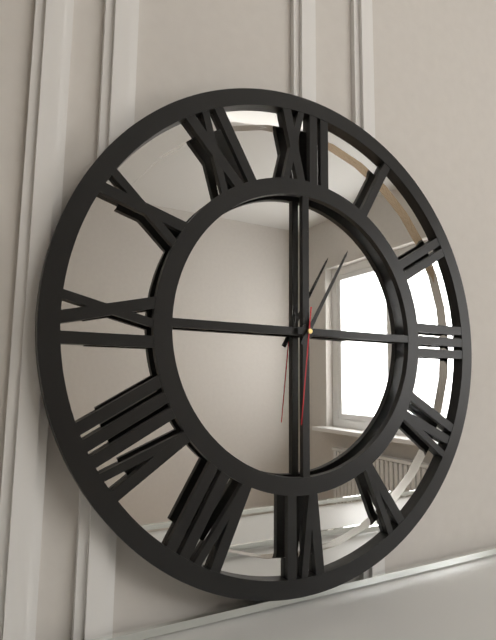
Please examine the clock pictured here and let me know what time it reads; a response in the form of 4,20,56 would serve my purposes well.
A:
3,05,31
